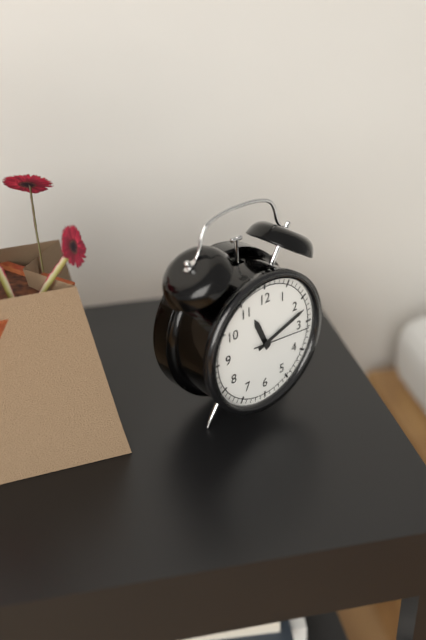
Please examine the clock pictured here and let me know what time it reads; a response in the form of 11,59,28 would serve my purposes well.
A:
11,12,16
